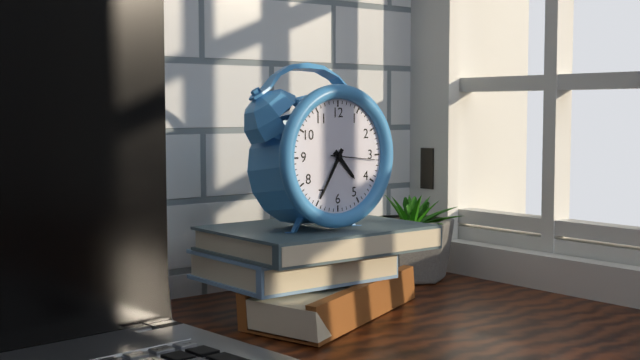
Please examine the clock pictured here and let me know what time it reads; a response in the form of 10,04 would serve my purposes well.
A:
4,35
